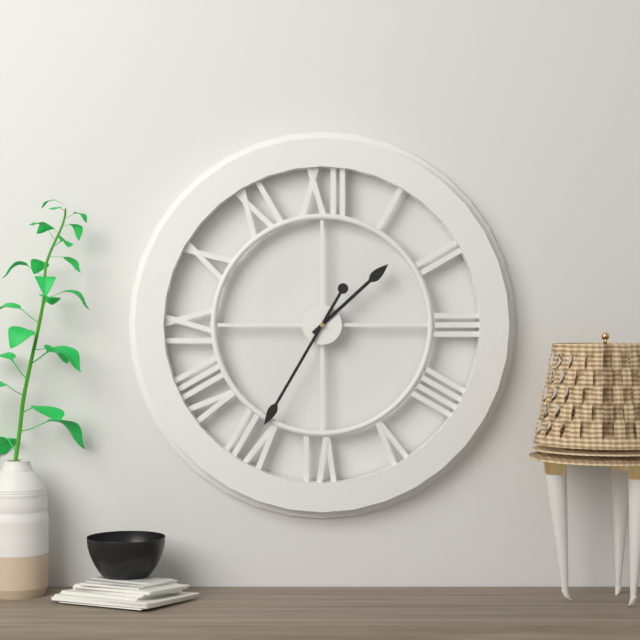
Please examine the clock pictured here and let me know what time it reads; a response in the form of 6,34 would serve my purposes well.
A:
1,35
